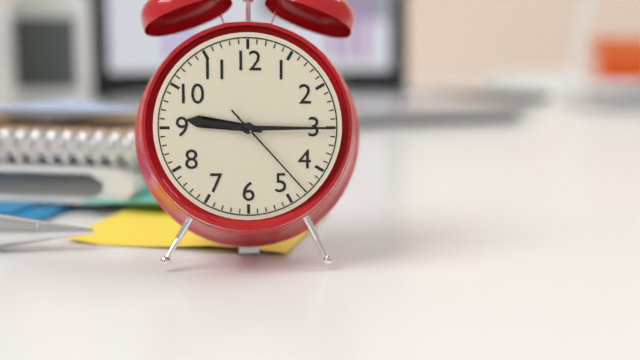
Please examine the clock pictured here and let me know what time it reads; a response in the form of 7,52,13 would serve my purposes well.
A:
9,15,23
